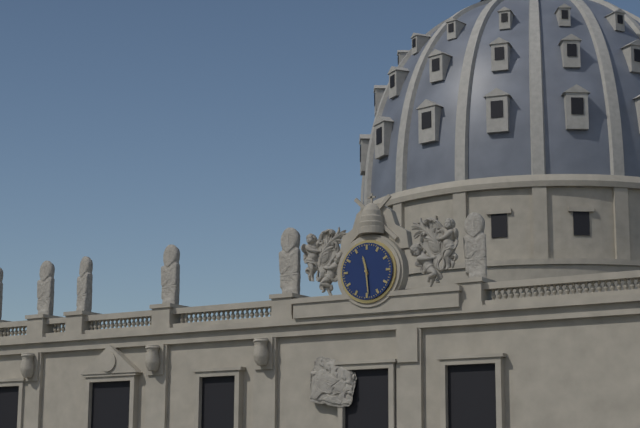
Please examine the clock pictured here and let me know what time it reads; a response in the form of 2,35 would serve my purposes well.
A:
11,29
